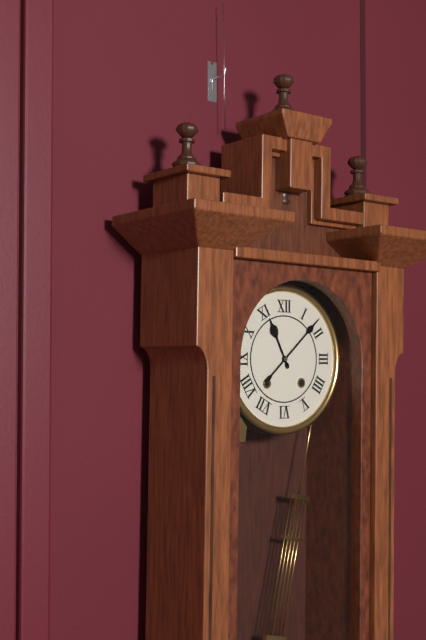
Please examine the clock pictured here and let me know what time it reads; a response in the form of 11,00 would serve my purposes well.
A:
11,08
